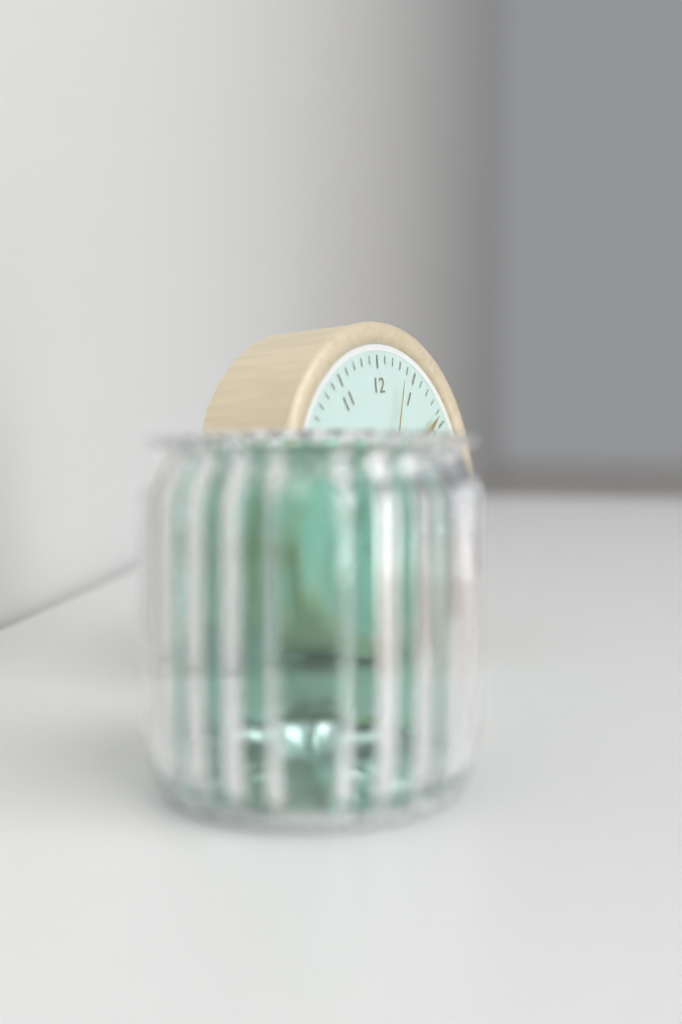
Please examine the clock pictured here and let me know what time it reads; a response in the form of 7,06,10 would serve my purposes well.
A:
9,09,03
